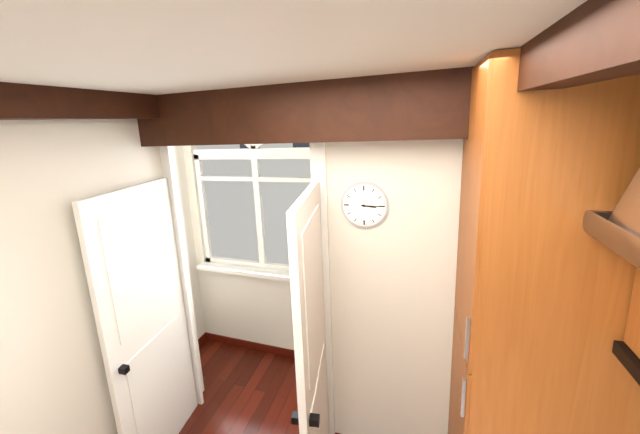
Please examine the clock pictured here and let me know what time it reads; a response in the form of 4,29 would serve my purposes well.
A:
3,15
